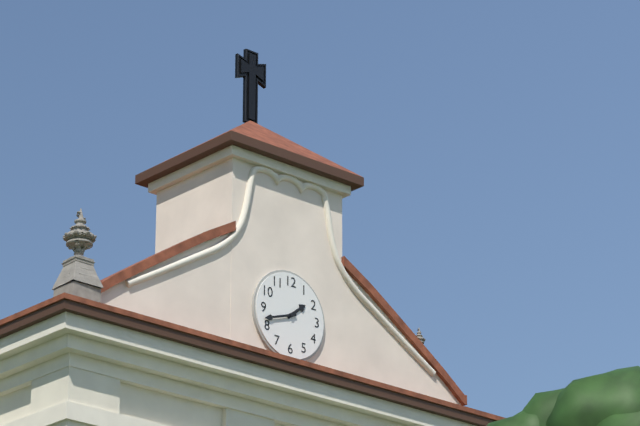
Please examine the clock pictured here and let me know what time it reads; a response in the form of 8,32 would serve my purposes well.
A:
1,42
